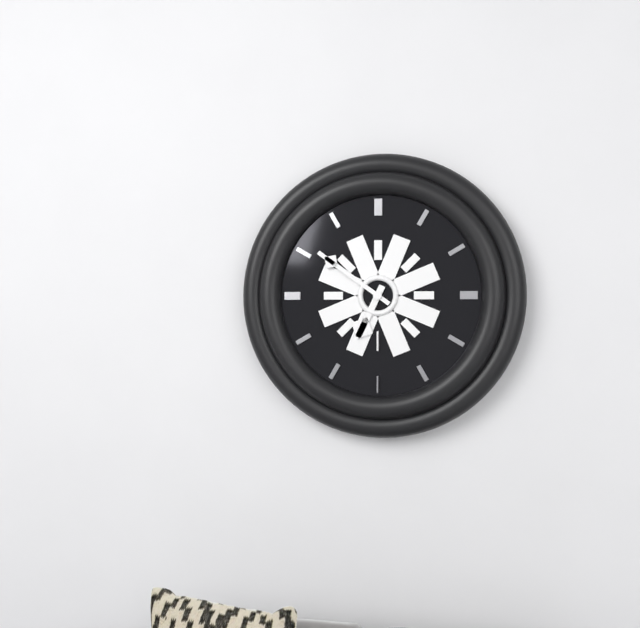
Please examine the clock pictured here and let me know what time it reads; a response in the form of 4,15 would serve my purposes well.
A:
6,51
